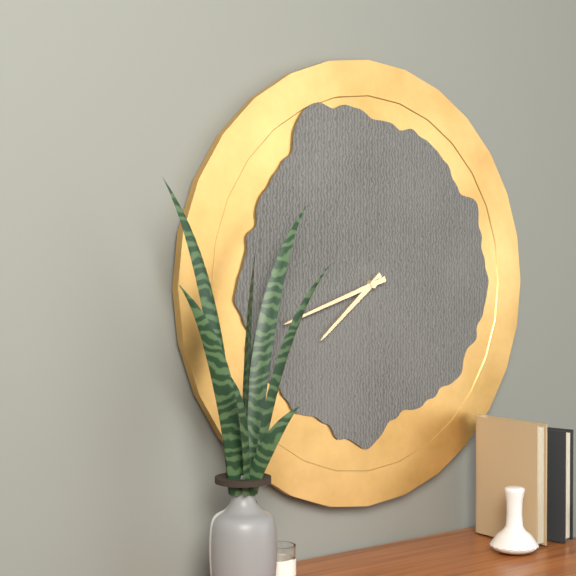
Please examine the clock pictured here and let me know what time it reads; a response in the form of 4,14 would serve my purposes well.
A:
7,42
